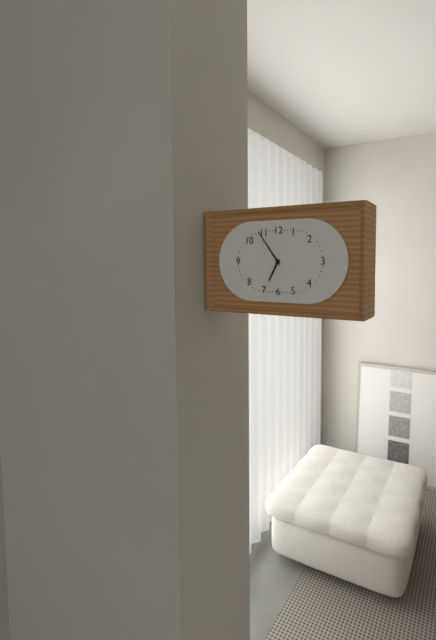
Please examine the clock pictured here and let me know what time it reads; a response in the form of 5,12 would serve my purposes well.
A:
6,54
